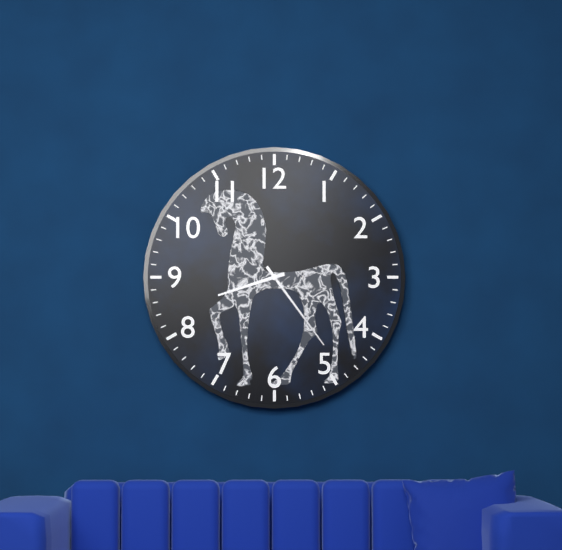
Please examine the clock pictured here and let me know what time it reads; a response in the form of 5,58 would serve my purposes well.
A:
8,24
